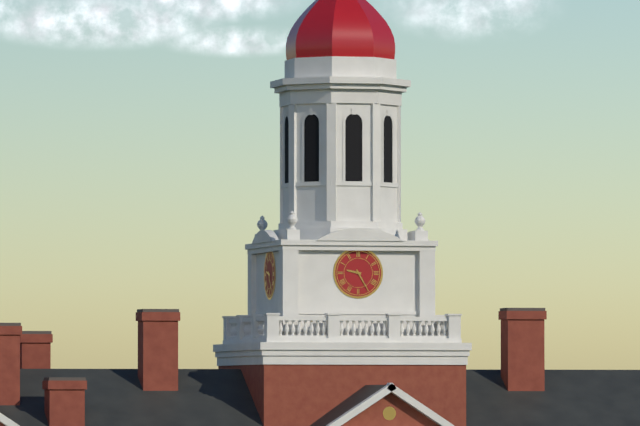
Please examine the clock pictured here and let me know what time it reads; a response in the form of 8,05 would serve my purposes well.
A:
9,25
